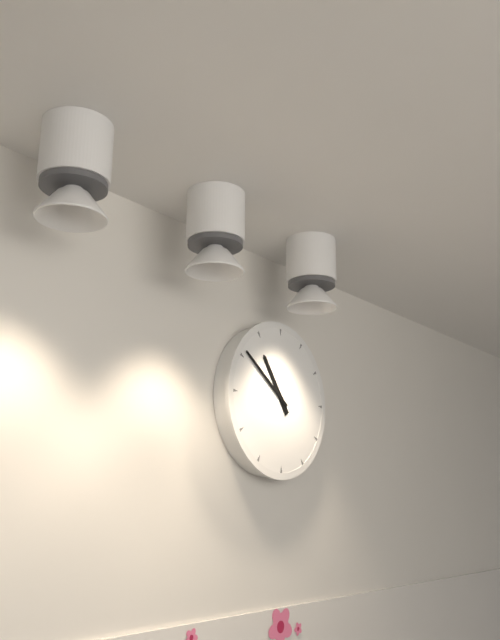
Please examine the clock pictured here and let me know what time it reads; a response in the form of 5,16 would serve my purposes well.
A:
10,51
